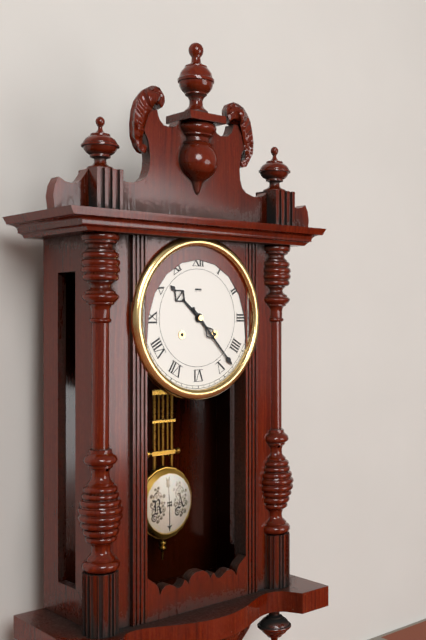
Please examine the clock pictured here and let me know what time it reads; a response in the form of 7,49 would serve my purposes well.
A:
10,23
